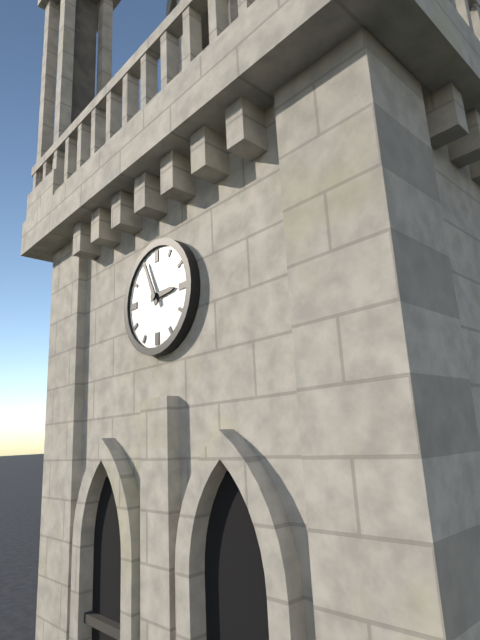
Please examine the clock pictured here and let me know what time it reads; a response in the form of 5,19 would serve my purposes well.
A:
2,56
